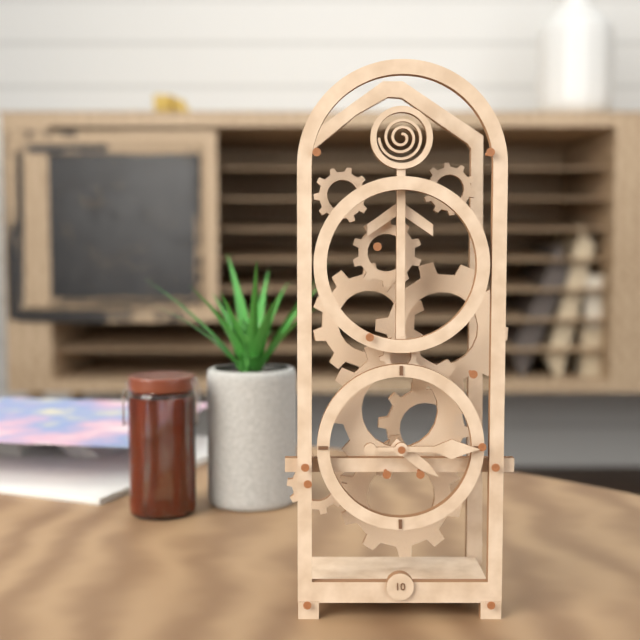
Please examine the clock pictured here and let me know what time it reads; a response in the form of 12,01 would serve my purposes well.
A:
4,15
